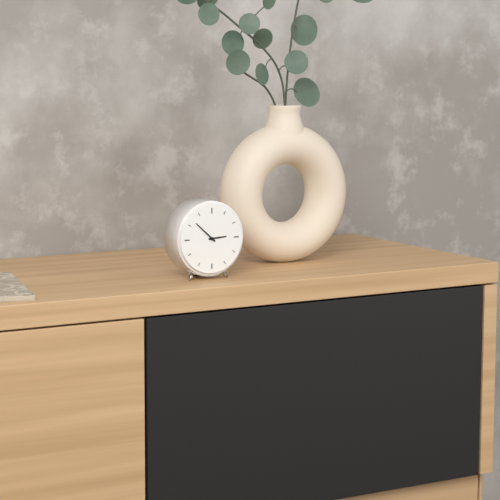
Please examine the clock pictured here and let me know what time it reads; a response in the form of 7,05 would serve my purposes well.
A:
2,52
